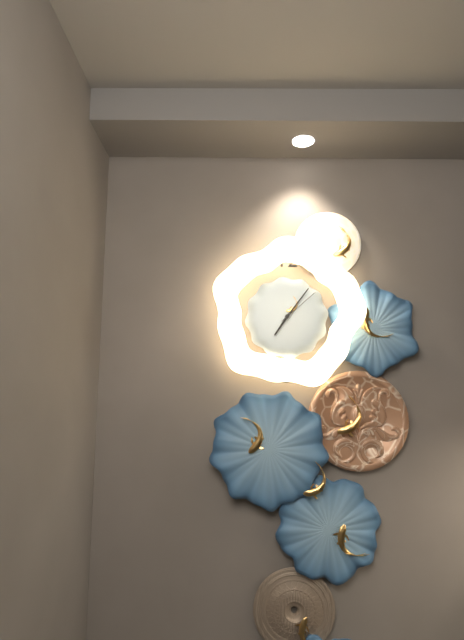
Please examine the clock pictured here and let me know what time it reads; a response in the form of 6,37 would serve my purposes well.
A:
7,06
